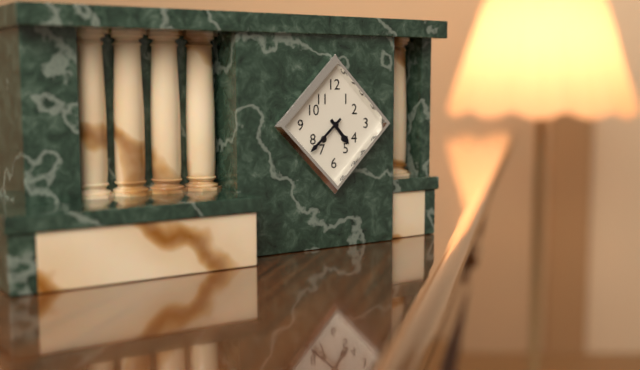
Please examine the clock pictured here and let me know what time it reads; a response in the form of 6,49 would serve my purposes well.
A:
4,38
